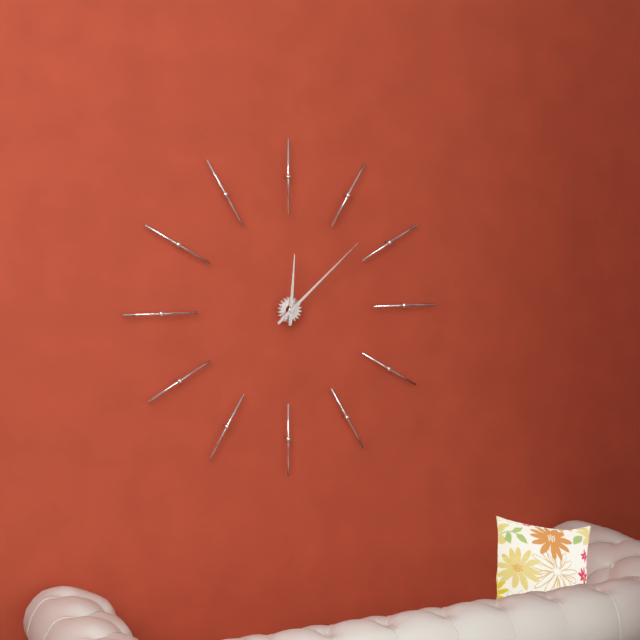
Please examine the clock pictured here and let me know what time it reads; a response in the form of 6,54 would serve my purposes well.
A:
12,08
